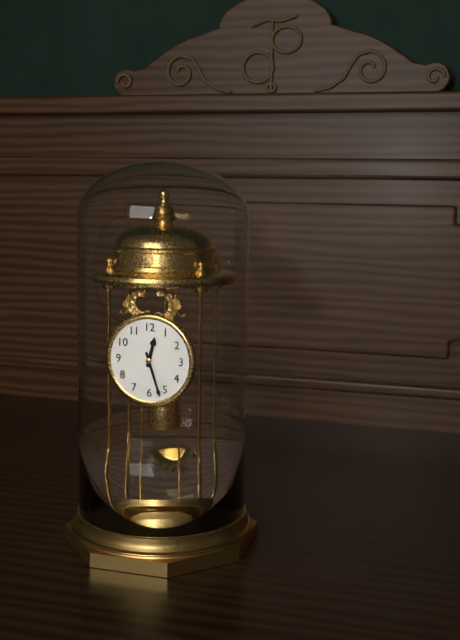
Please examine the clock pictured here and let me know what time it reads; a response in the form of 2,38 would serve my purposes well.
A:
12,27
